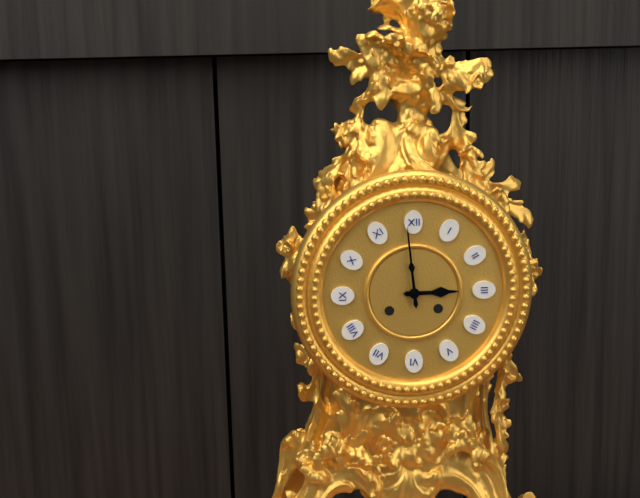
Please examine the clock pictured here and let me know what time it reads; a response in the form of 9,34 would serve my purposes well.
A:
2,59
